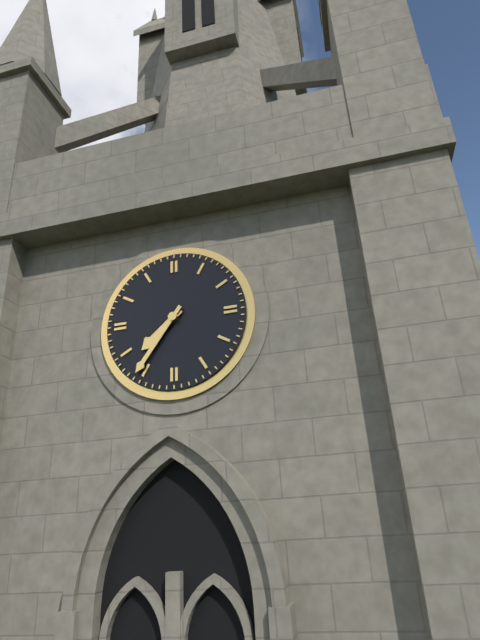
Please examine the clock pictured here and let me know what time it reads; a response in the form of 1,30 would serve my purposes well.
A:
7,36
